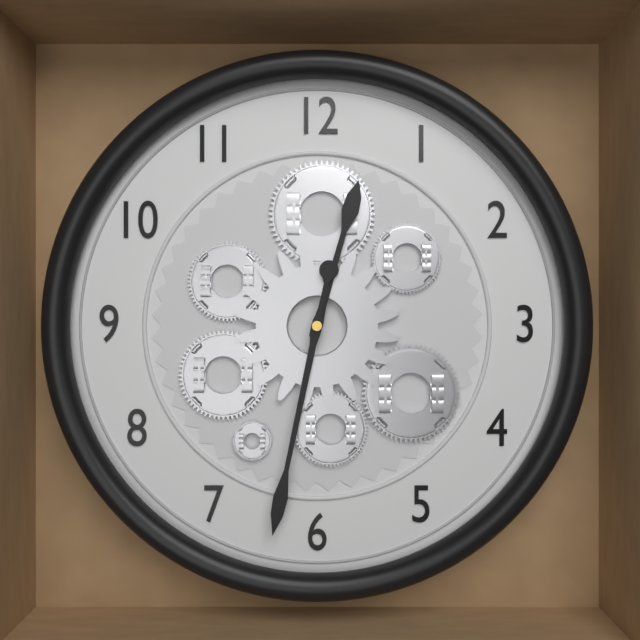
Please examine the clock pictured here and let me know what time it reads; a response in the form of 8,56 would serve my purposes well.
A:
12,32
